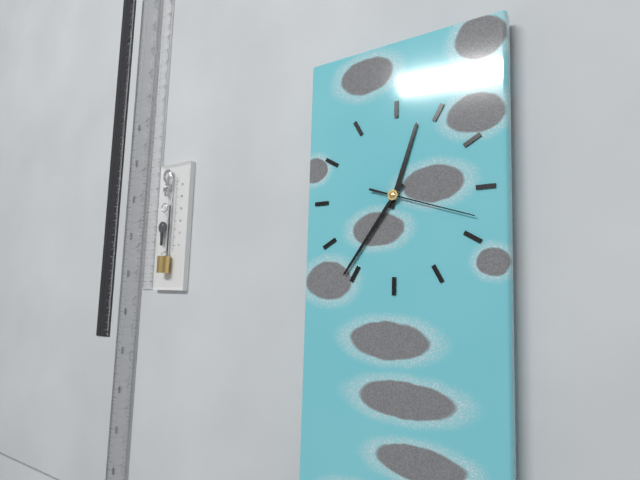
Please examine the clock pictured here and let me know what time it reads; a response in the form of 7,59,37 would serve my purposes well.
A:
12,36,18
